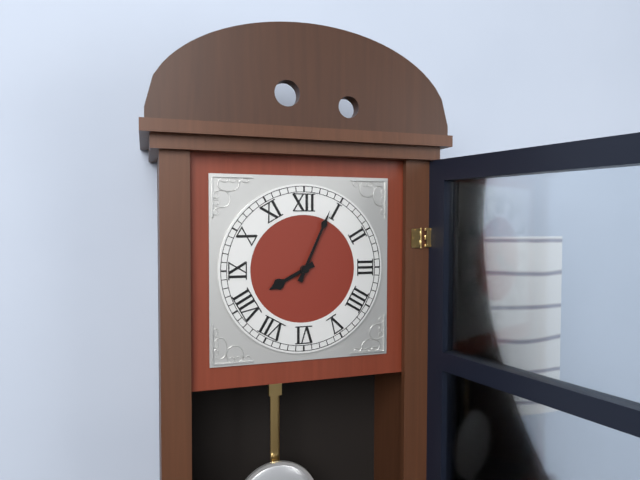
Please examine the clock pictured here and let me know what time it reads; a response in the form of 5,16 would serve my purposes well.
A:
8,04
